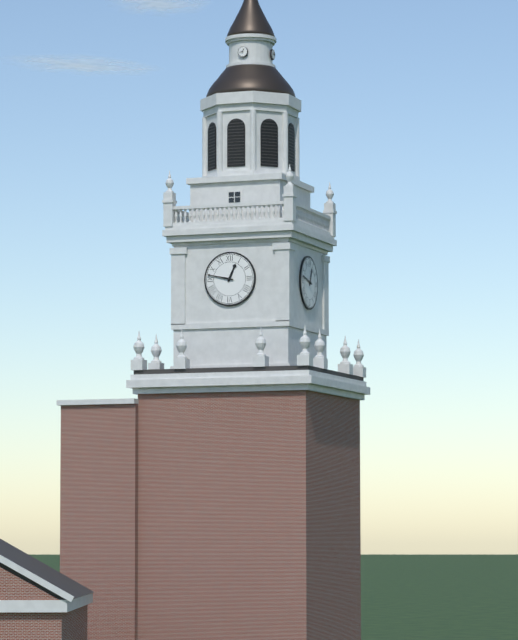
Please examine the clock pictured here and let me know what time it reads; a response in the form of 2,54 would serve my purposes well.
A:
12,47
